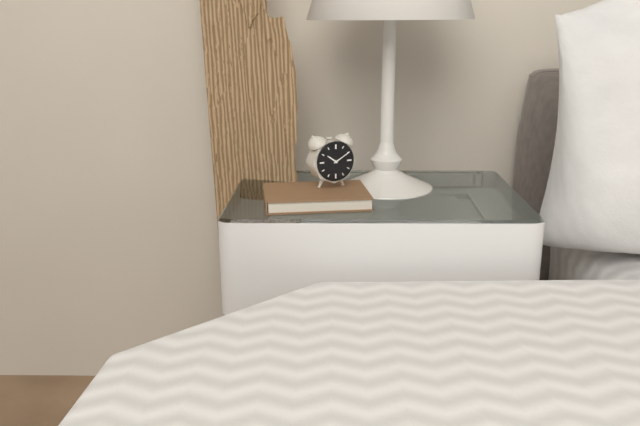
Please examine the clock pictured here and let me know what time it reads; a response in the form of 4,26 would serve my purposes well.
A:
10,10
